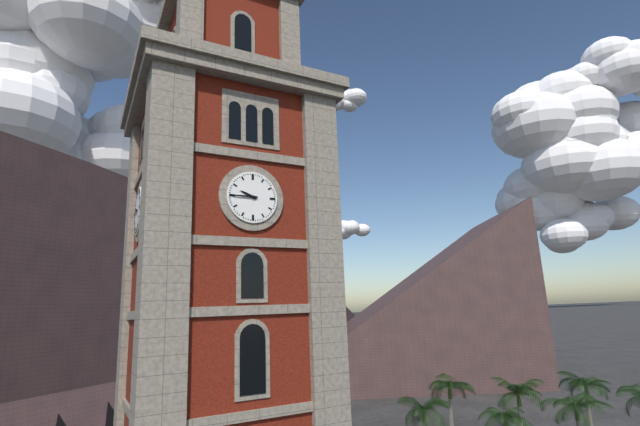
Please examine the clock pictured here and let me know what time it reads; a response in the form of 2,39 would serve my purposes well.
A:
9,45
